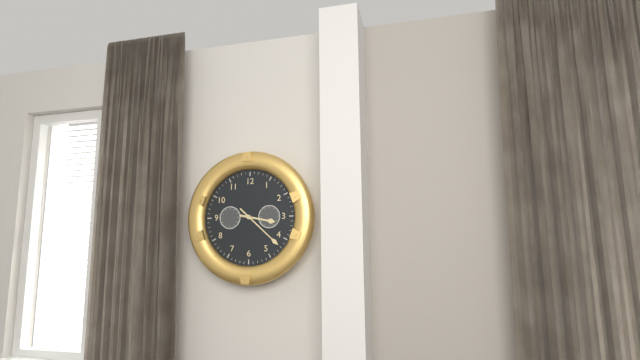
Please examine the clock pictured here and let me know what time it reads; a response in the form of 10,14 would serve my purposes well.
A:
3,22
